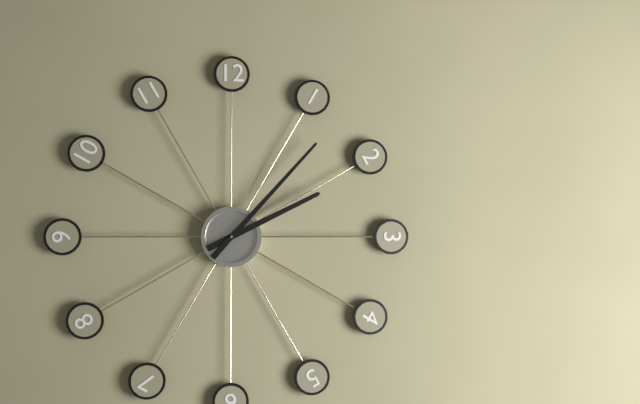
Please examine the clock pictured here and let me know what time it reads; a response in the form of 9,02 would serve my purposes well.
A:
2,07
